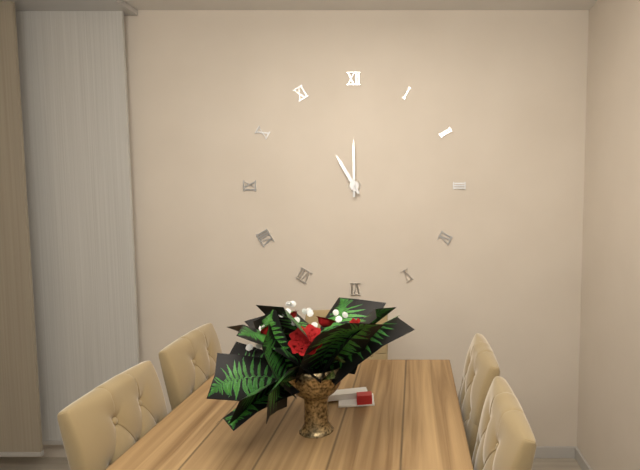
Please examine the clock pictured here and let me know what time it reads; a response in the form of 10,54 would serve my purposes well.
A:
11,00
